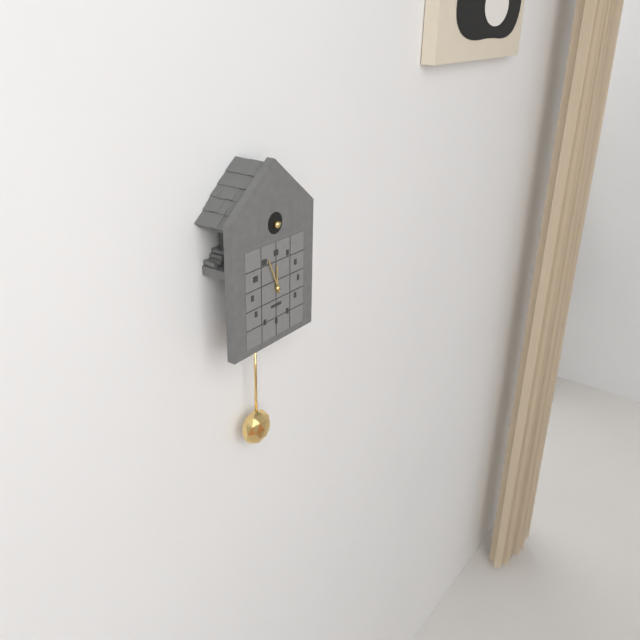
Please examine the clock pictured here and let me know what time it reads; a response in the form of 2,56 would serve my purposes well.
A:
11,56
